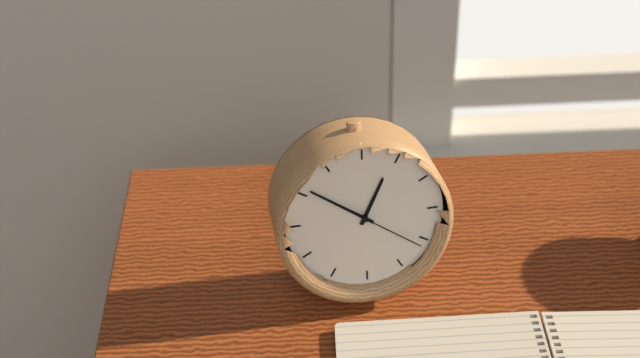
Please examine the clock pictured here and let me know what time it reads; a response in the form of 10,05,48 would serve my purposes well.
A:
12,51,21
